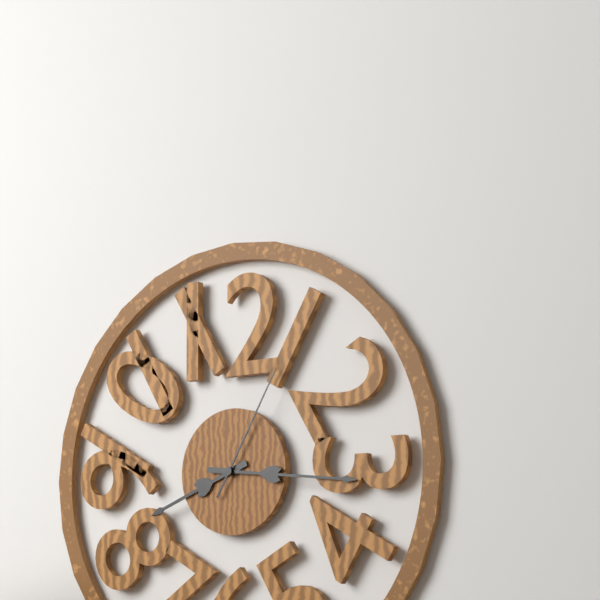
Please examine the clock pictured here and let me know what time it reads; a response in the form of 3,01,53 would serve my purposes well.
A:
8,16,05
